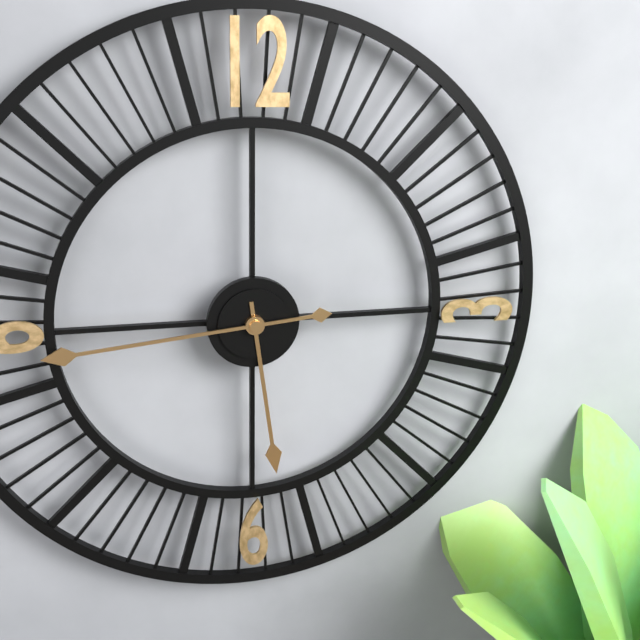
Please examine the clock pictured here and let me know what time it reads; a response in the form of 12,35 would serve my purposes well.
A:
5,44
